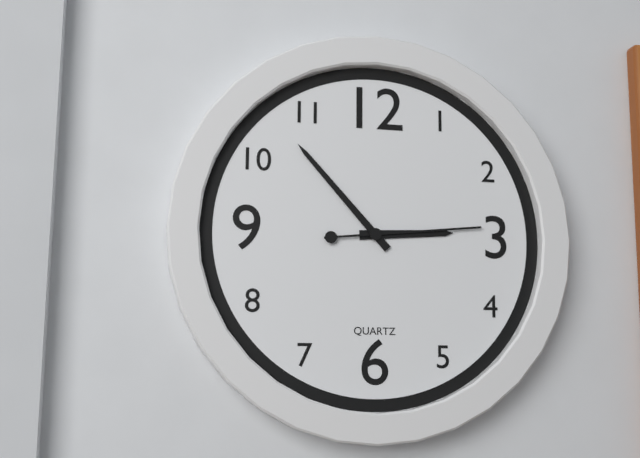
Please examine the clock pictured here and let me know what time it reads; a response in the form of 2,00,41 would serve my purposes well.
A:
2,53,14
